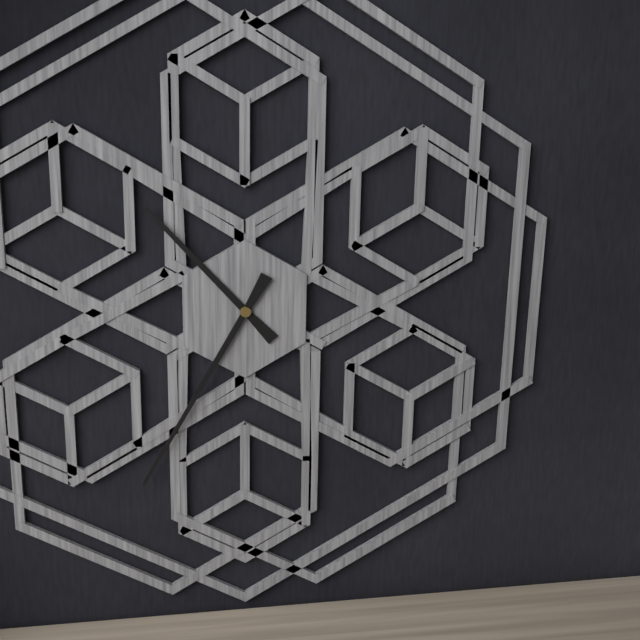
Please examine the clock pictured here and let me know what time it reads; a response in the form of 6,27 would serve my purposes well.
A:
10,35
